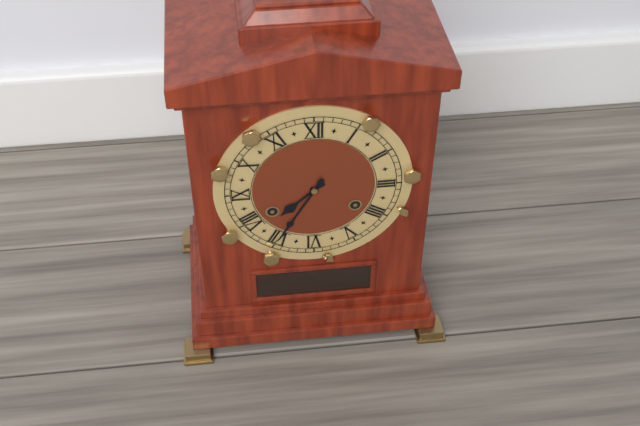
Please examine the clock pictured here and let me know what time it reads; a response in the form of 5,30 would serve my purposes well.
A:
7,35
